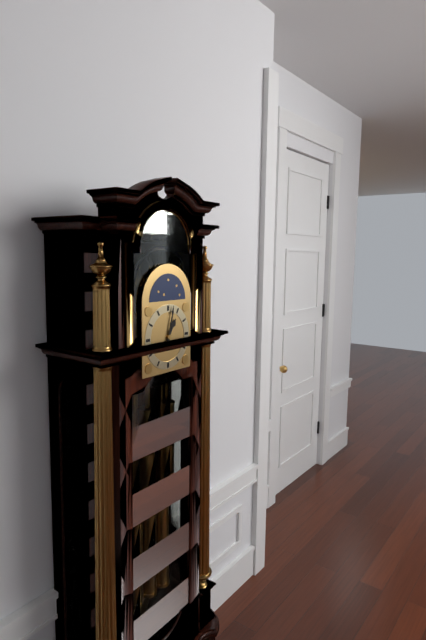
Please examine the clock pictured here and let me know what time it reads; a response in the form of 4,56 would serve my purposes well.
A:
1,02
